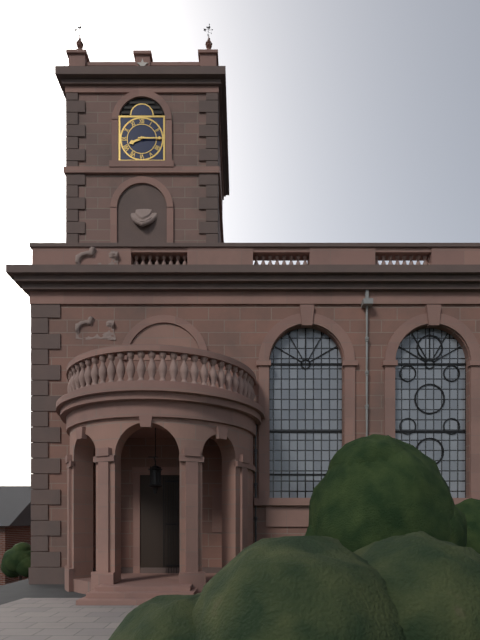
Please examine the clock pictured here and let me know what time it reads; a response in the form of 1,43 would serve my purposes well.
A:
8,15
